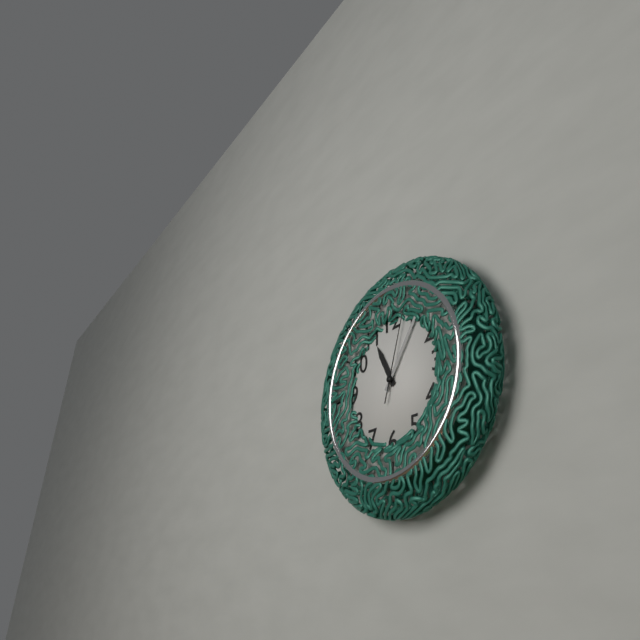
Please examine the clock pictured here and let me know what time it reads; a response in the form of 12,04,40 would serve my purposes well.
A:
11,06,03
